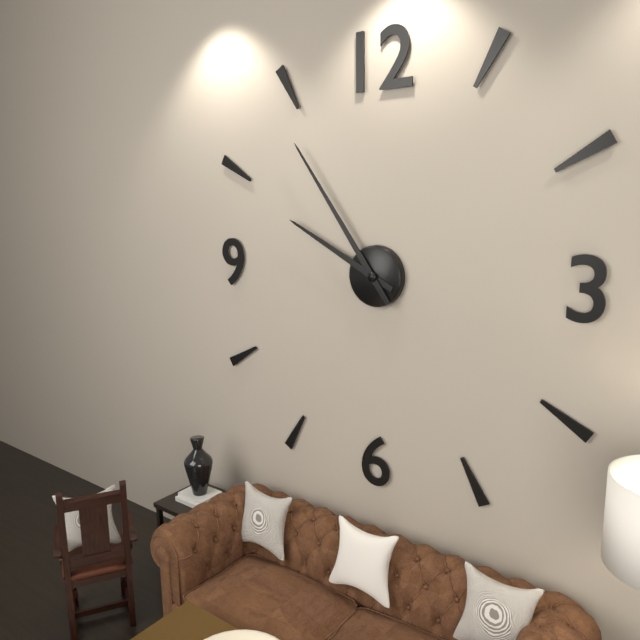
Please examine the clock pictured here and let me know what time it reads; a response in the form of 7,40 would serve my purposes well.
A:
9,54
